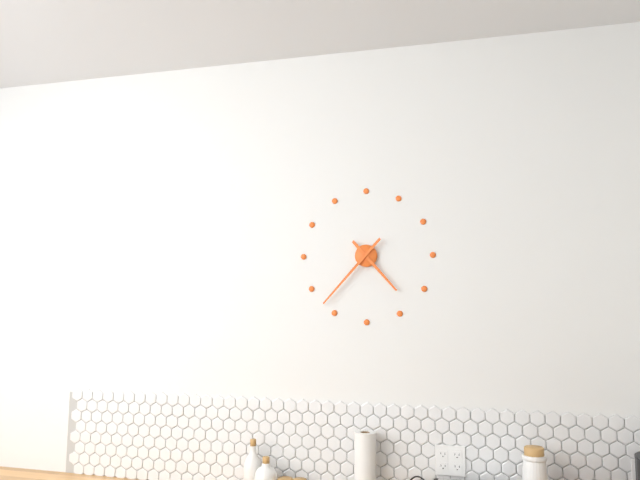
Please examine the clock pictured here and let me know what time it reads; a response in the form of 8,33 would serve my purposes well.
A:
4,37
